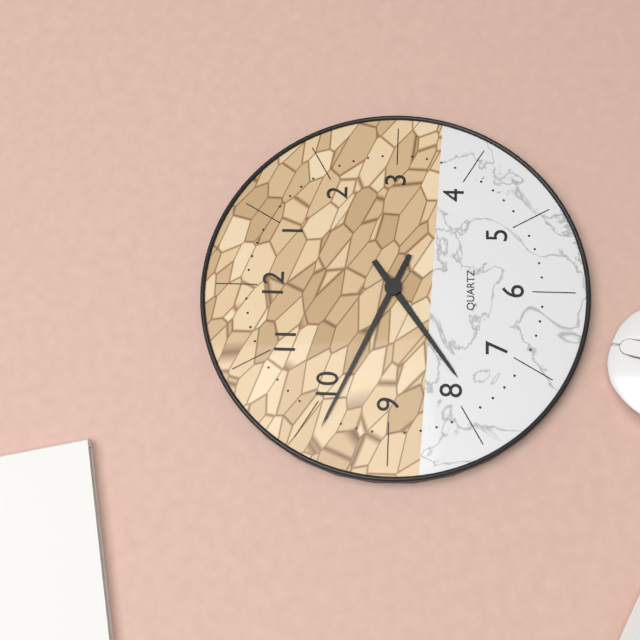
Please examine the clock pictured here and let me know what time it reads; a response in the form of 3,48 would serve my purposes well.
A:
7,49
